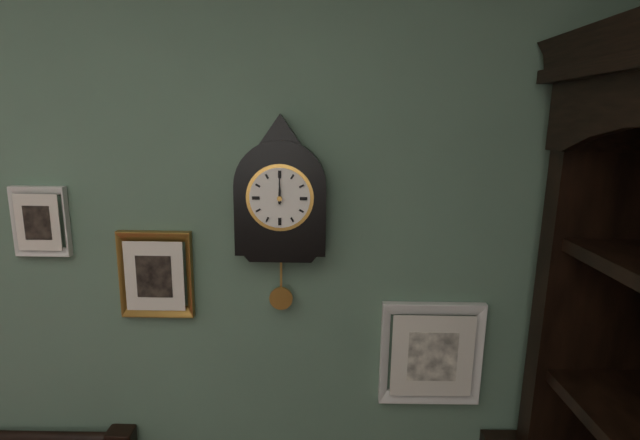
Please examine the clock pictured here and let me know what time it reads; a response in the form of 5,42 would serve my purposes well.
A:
12,00
